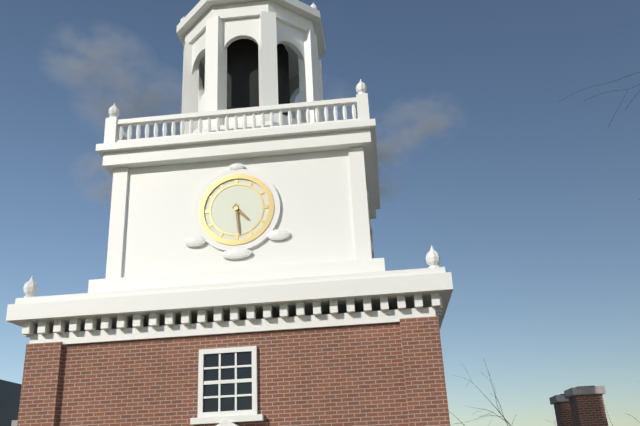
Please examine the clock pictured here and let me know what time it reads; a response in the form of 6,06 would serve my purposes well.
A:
4,29
